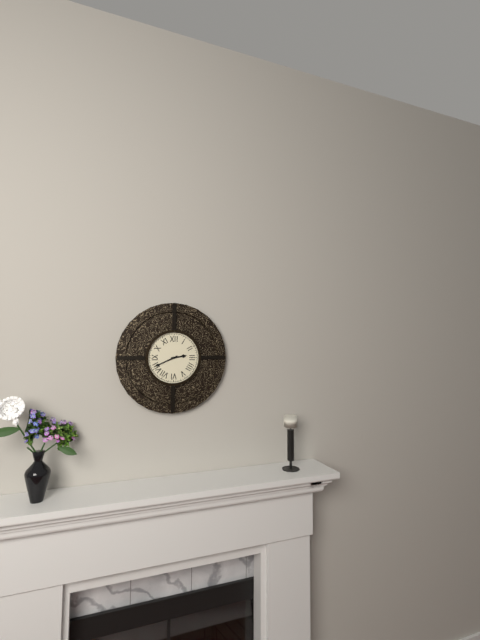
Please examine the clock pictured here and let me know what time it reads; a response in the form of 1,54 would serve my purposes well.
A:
2,41
